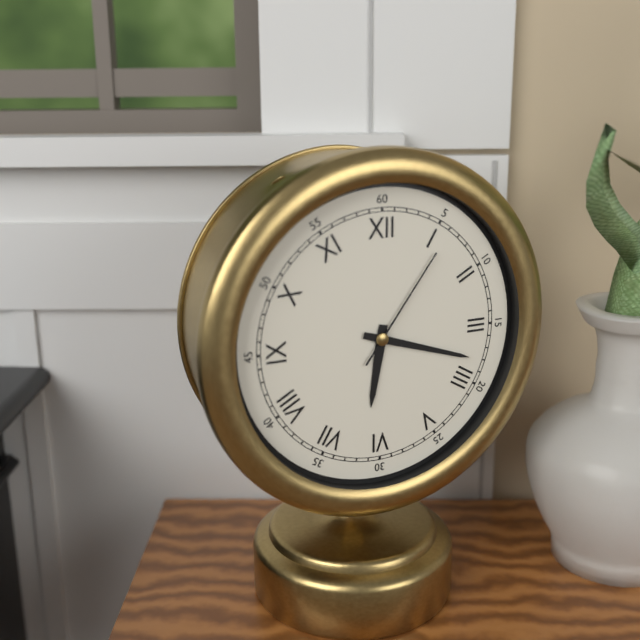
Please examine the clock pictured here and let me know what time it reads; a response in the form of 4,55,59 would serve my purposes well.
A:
6,18,06
